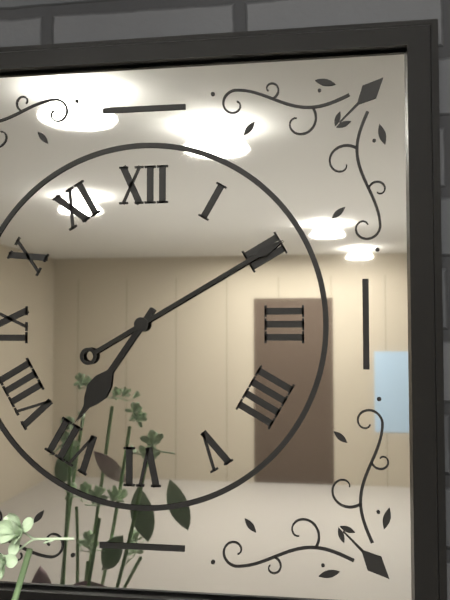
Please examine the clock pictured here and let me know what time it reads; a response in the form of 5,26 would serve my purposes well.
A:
7,10
